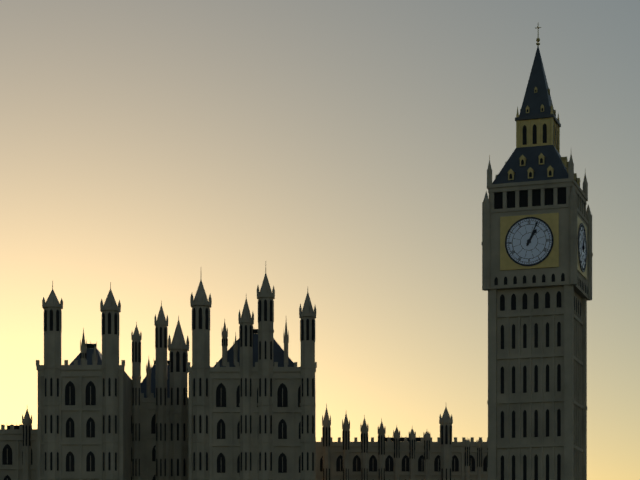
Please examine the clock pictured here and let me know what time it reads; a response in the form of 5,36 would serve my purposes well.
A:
1,04
